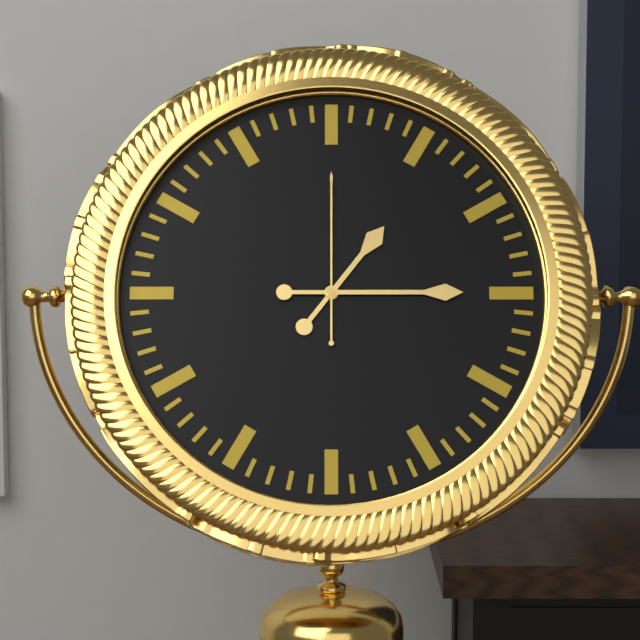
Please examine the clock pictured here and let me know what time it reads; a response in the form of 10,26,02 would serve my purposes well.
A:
1,15,00
